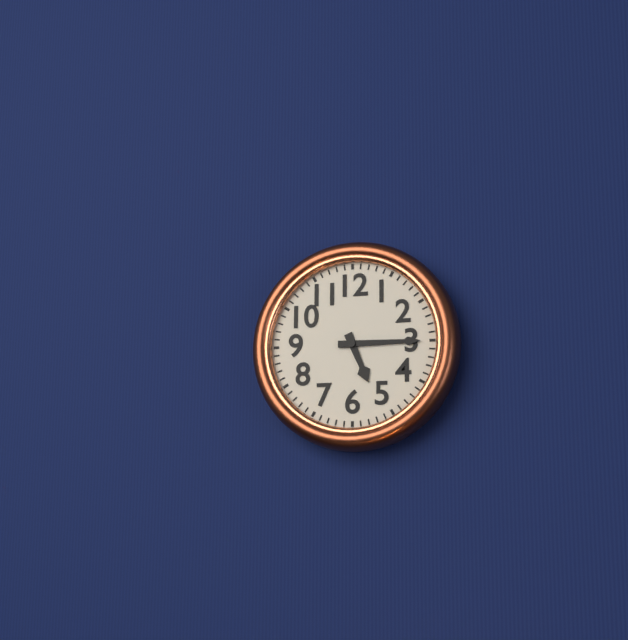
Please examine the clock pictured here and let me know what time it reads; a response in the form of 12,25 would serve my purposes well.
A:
5,15
